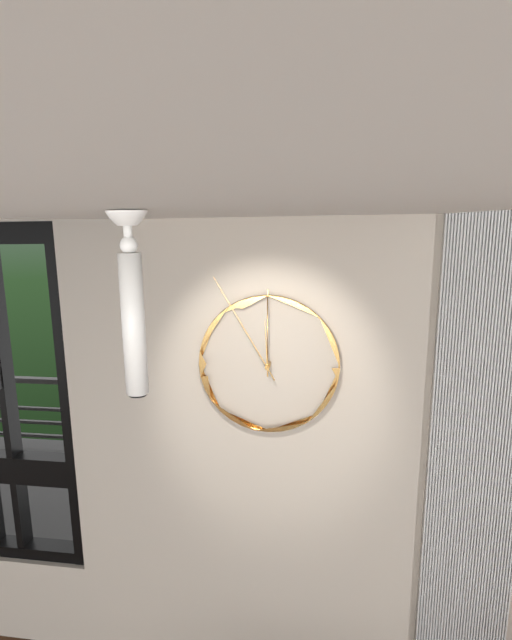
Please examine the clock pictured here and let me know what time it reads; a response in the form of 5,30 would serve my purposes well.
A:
11,55
